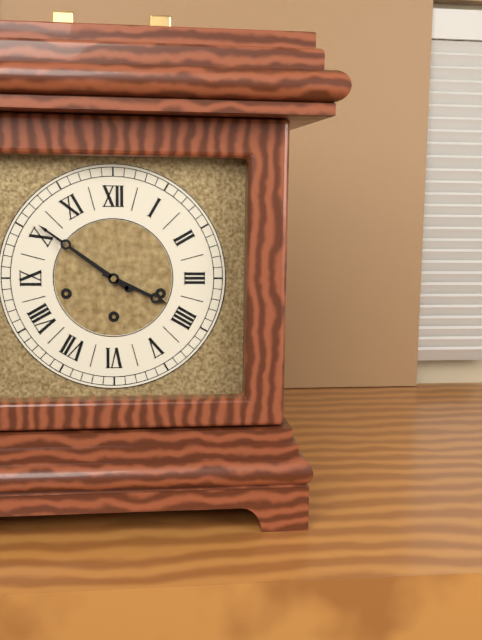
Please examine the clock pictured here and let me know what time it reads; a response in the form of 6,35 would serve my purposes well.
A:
3,51
